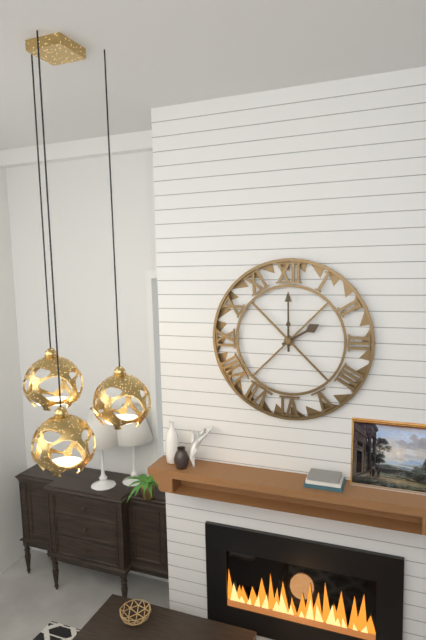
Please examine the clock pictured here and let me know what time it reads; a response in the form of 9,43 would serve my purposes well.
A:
2,00
